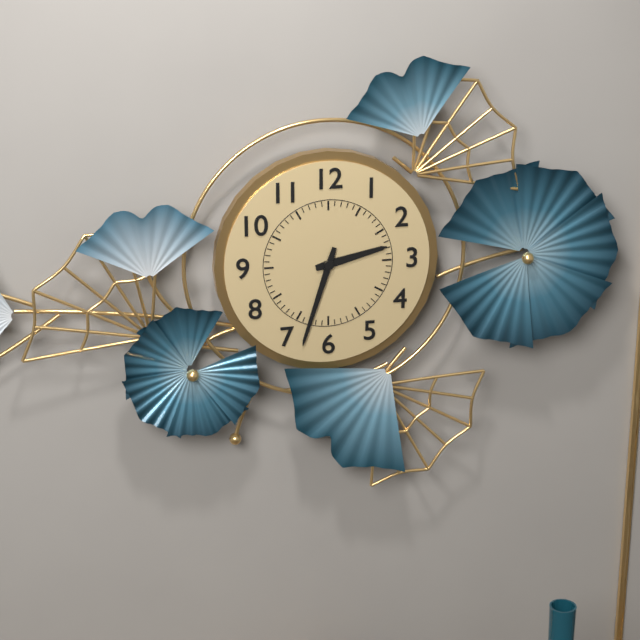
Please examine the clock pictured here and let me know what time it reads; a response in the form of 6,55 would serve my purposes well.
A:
2,33
